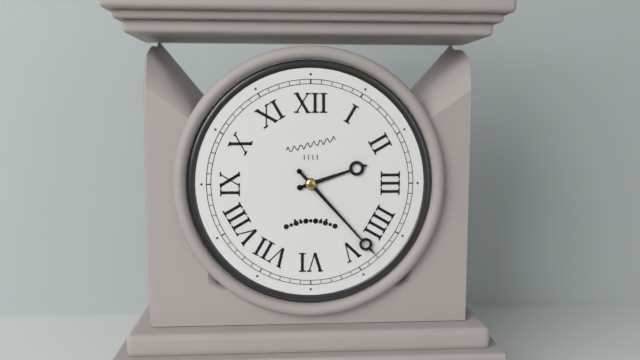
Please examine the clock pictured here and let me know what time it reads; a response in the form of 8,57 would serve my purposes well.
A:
2,23
